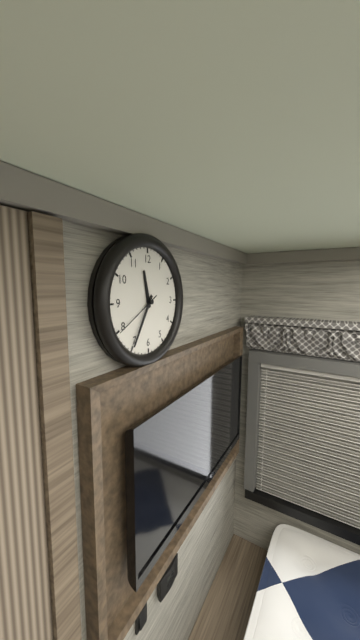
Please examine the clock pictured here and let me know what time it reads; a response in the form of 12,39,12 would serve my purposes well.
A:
11,35,40
